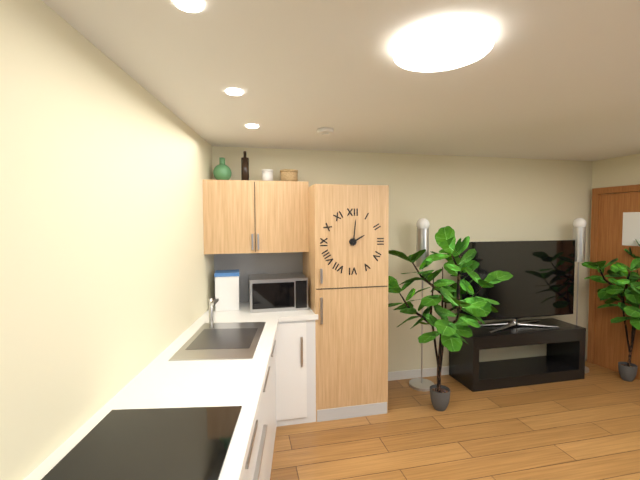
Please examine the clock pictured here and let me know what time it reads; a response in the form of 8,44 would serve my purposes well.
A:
2,01
